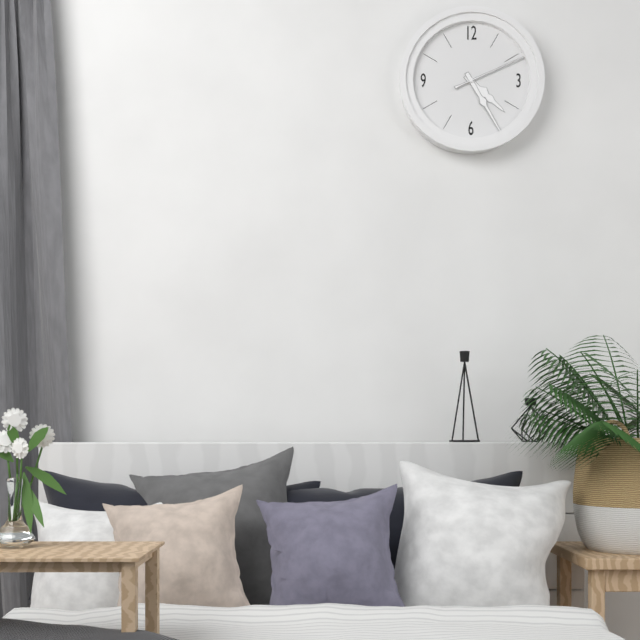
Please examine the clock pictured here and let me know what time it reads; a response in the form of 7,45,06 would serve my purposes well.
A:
4,25,11
